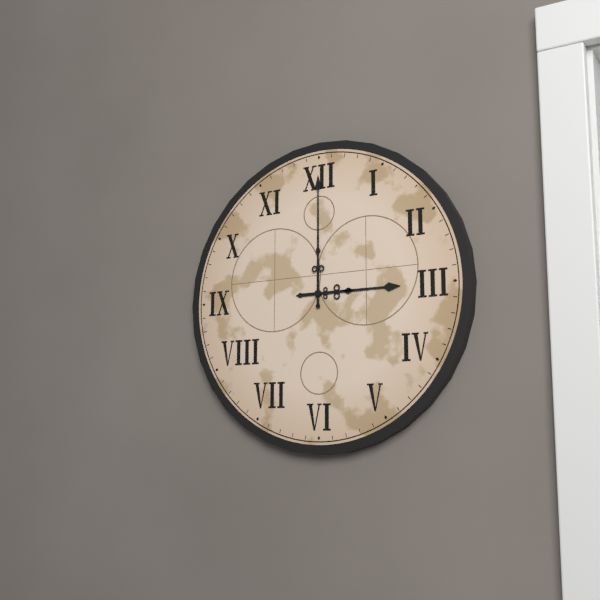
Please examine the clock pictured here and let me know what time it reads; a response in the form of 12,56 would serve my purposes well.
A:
3,00
